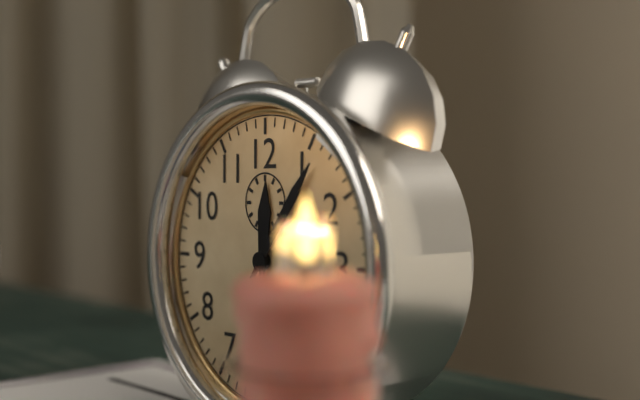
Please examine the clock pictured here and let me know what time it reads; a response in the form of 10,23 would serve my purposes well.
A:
12,06
